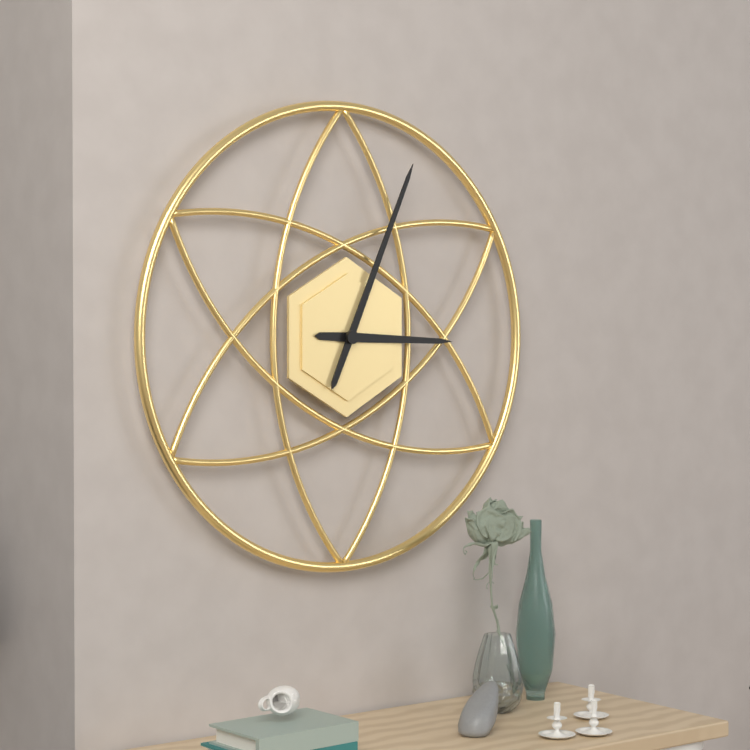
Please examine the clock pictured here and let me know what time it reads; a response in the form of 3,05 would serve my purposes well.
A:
3,04
